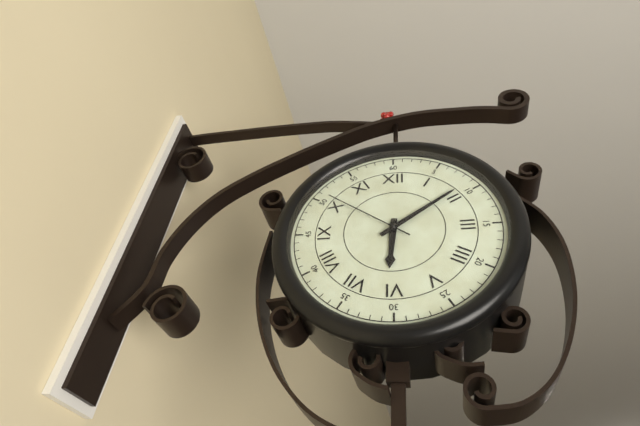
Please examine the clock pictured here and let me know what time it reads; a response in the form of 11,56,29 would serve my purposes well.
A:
6,09,51
